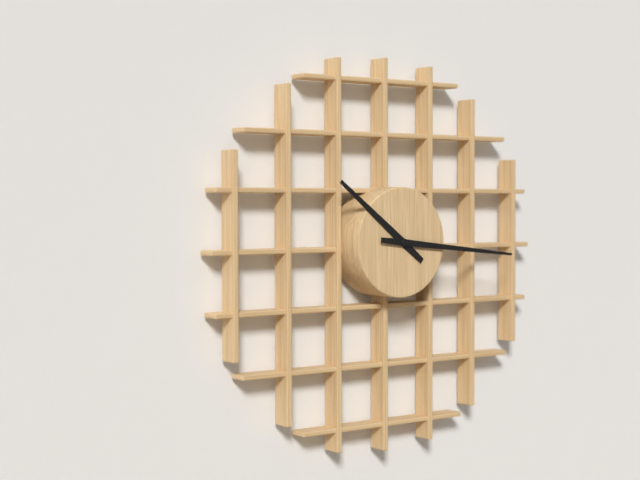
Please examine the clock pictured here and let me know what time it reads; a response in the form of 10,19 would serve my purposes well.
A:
10,16
